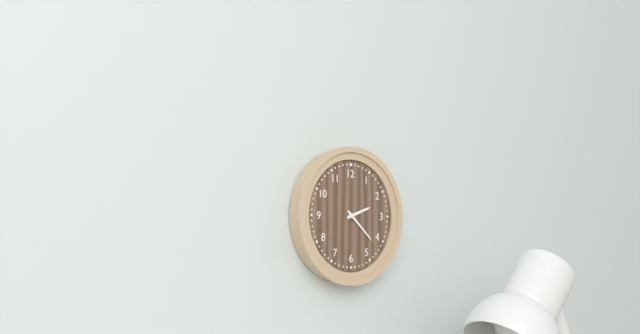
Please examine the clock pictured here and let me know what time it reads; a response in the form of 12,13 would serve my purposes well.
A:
2,22
